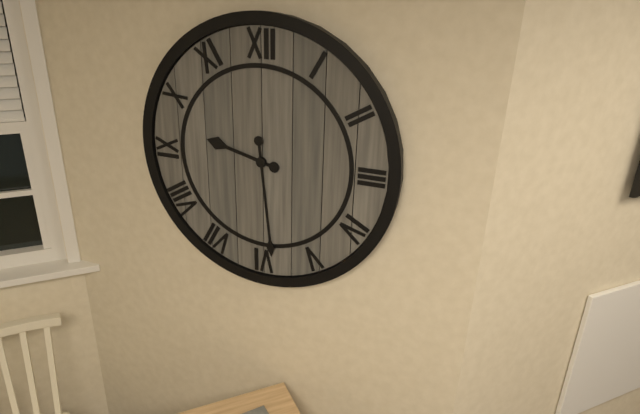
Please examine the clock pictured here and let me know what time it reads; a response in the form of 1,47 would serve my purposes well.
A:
9,29
